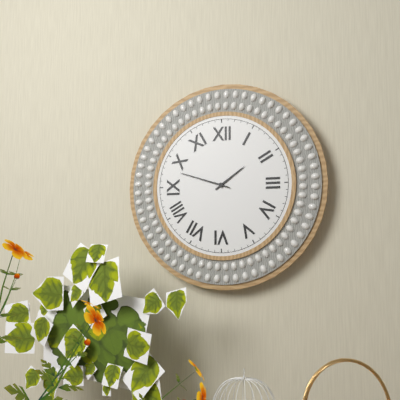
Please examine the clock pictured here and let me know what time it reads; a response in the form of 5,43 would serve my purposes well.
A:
1,48
